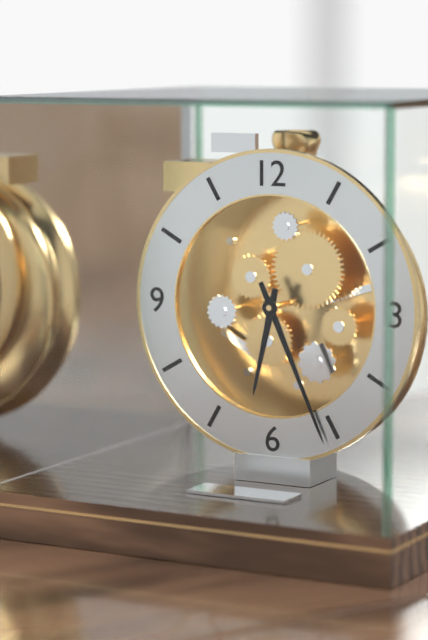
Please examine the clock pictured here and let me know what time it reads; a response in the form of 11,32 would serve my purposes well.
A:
6,26
